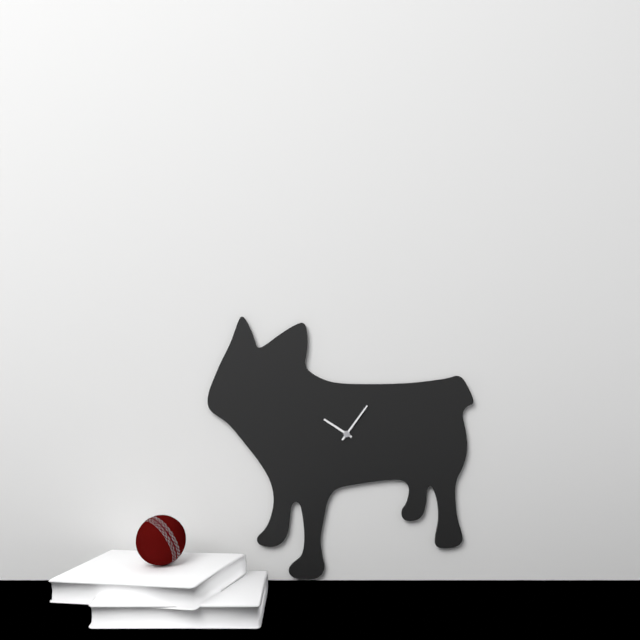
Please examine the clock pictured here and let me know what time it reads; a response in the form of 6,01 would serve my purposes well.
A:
10,06
